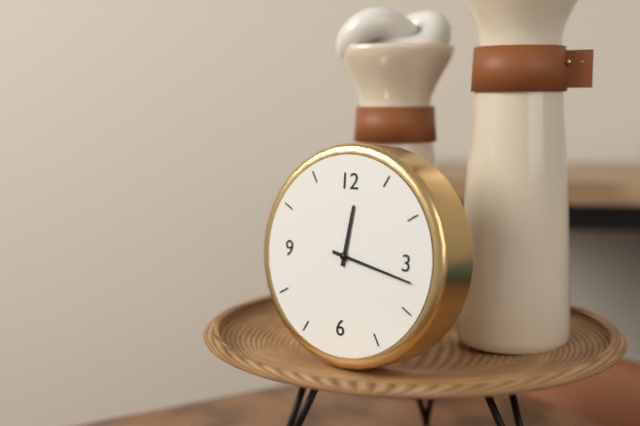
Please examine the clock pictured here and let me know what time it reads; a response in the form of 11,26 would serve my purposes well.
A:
12,17
